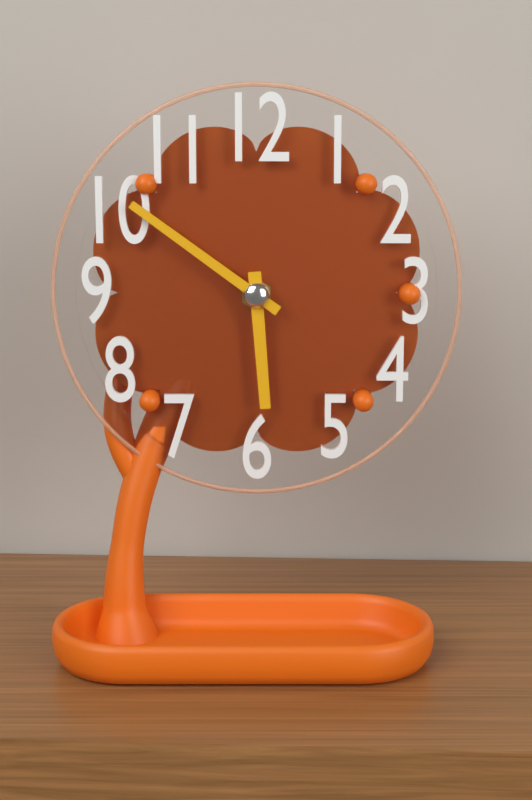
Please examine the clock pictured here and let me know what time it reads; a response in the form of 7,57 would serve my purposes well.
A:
5,51
